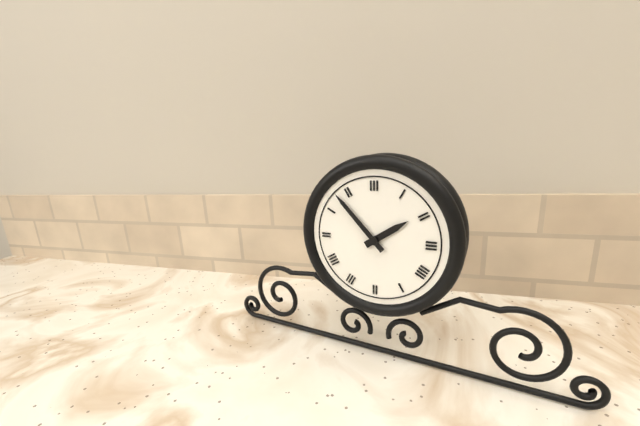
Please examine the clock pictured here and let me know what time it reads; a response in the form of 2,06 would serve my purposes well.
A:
1,53
